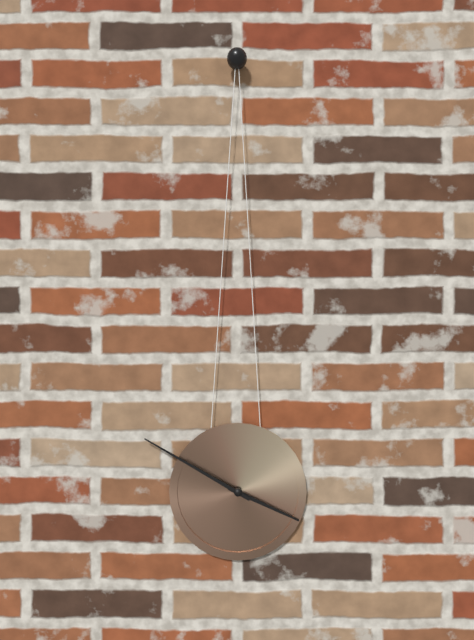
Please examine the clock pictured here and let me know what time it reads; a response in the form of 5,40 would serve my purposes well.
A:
3,50
